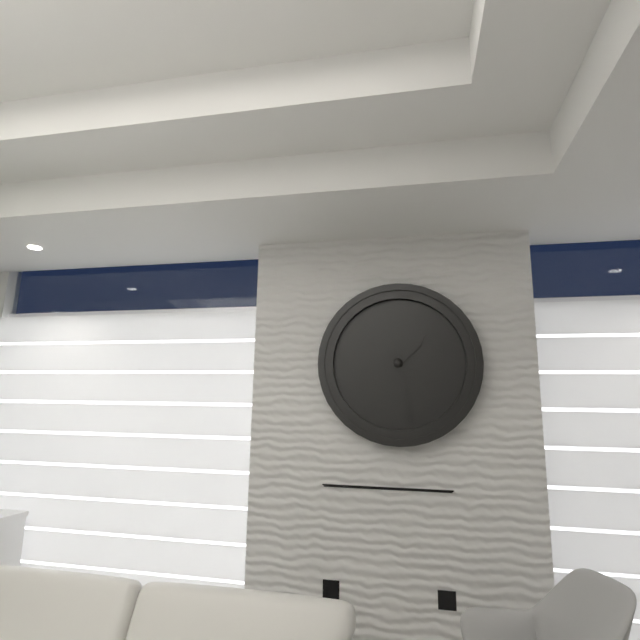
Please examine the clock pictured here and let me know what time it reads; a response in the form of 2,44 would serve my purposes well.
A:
1,28
